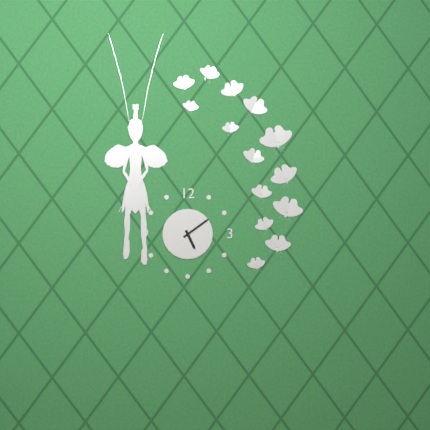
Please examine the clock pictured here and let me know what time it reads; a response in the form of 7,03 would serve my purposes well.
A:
5,09
